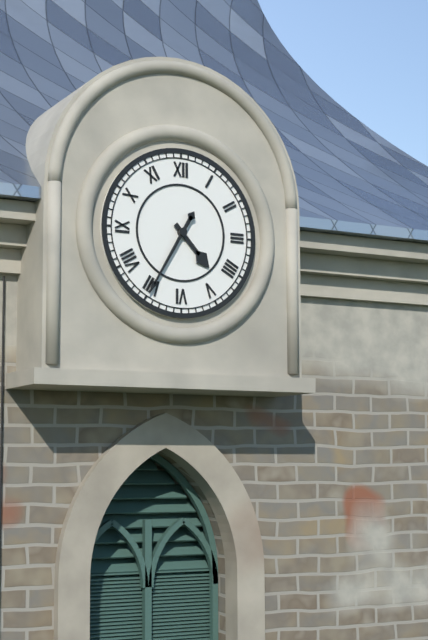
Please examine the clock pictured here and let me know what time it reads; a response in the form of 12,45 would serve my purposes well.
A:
4,35
